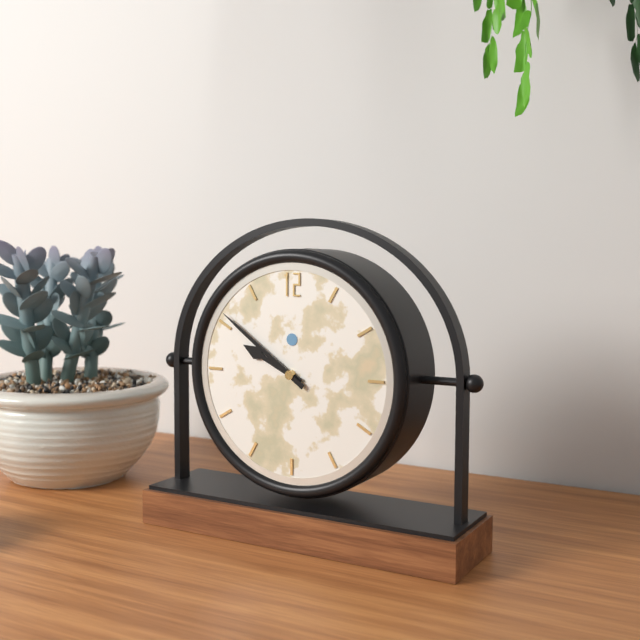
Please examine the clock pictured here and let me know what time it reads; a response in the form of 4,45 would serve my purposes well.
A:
9,51
